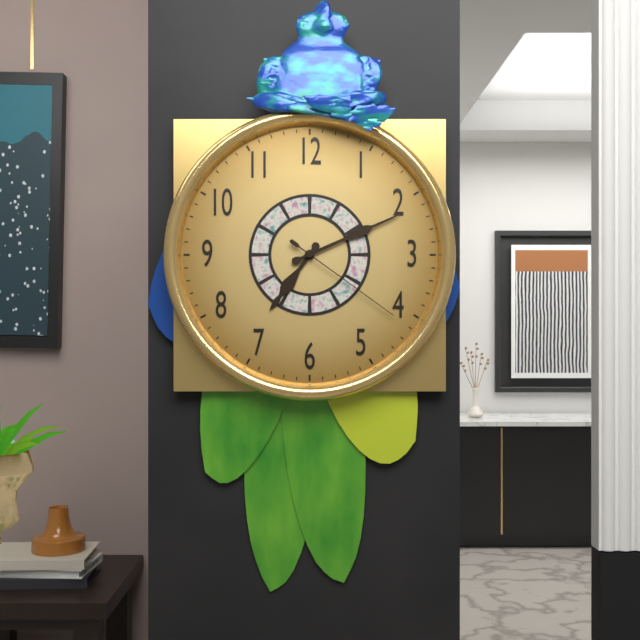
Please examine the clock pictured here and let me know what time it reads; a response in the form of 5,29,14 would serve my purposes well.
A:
7,11,21
